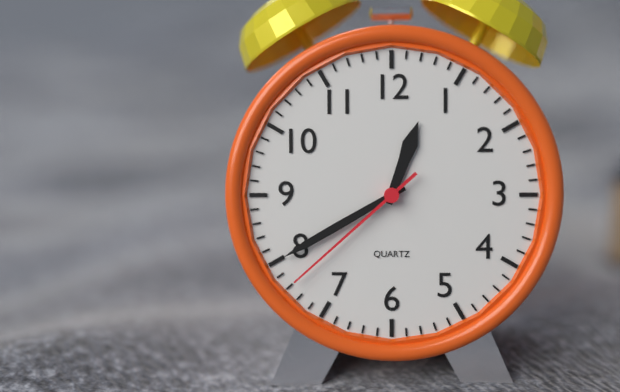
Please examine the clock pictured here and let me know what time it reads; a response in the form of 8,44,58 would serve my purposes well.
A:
12,40,38
